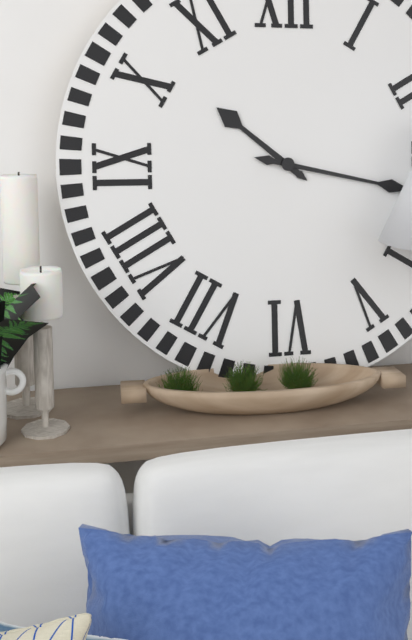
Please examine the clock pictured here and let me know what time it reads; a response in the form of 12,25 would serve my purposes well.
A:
10,17
